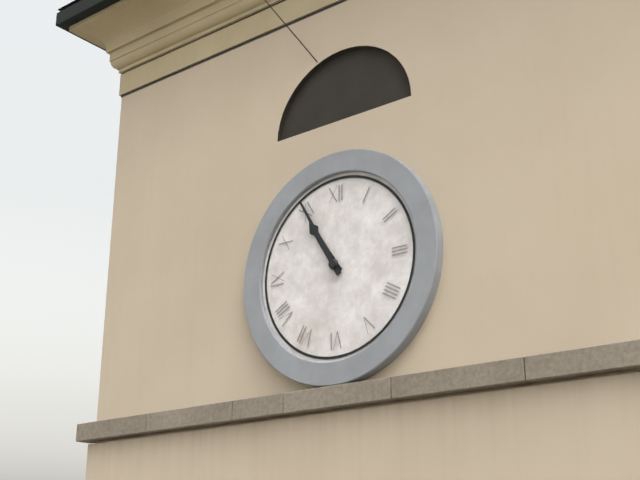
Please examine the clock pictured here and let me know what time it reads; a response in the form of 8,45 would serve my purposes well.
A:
10,55
